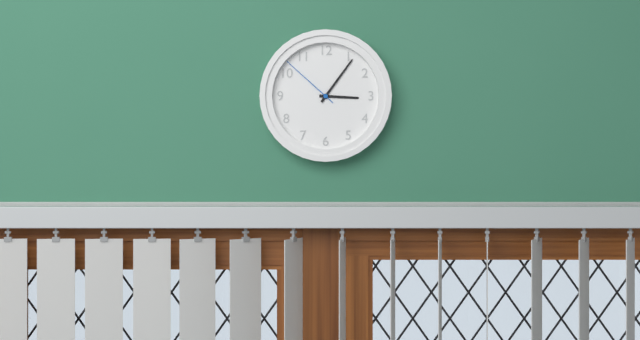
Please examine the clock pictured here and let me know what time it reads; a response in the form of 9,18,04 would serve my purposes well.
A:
3,06,52
